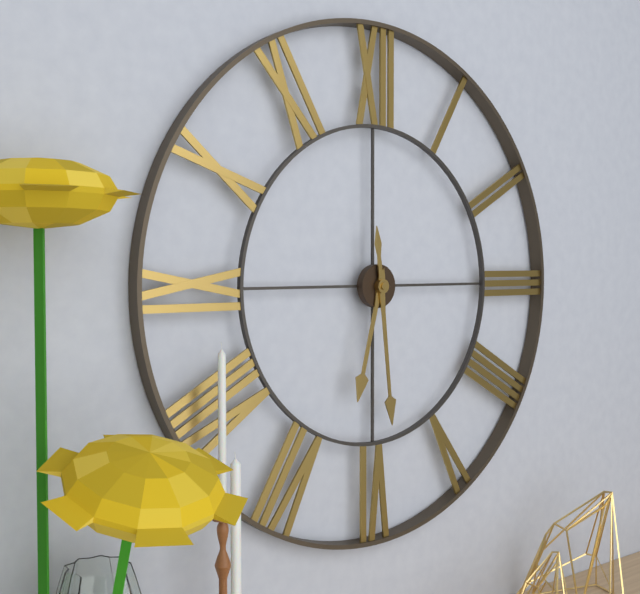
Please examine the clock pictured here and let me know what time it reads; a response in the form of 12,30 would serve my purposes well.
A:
6,29
